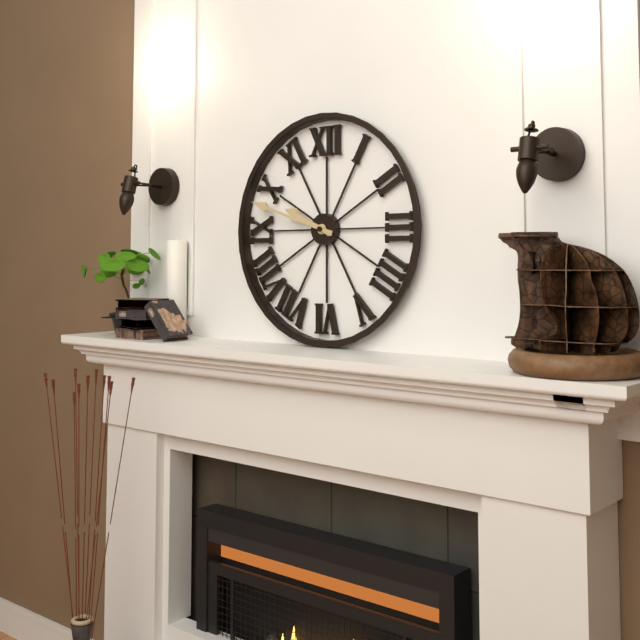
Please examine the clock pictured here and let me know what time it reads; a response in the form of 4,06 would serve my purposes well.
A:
9,48
